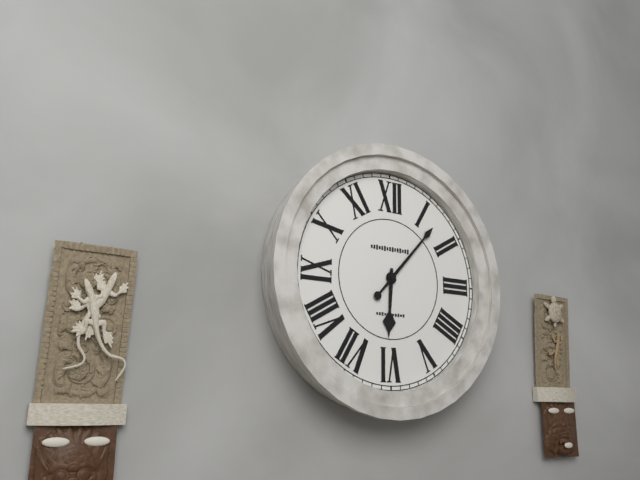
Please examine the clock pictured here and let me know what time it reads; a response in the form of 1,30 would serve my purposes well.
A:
6,07
